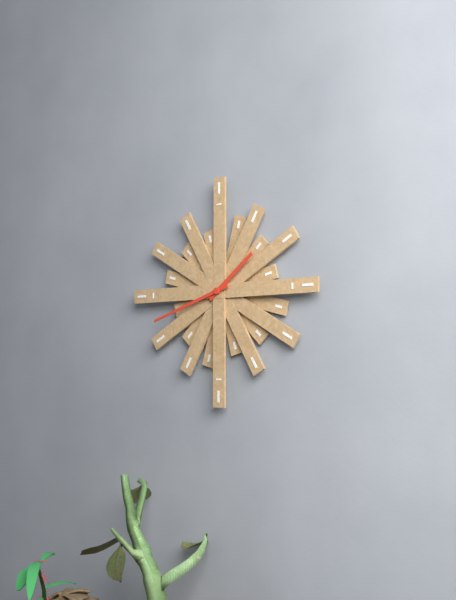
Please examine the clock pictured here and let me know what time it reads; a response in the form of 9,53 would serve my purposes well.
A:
1,42
